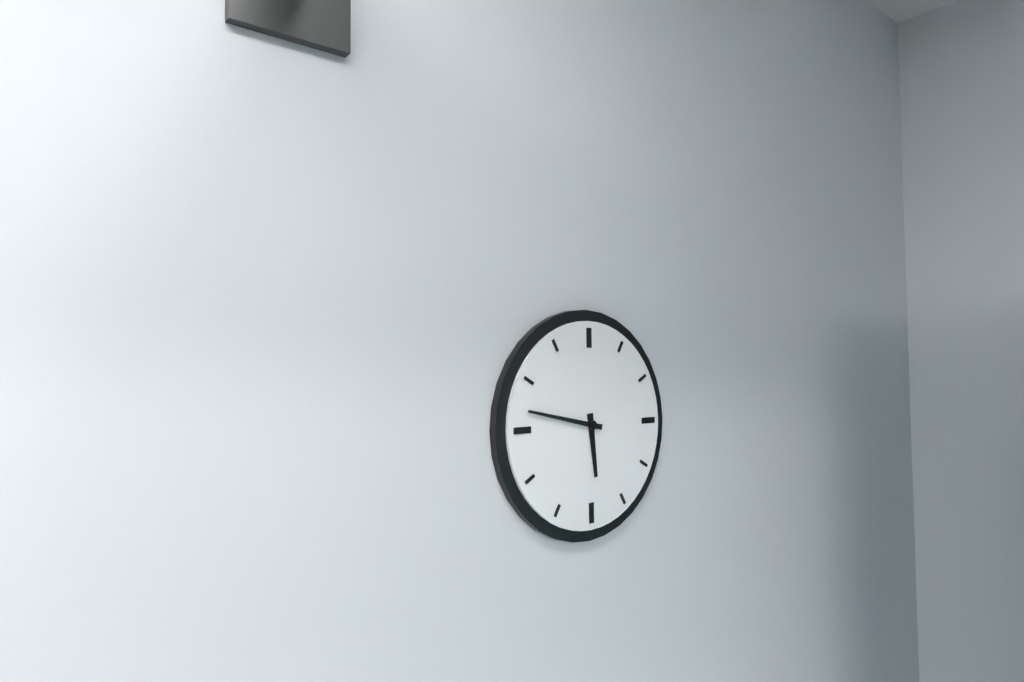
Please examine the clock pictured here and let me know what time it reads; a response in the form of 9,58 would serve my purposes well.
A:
5,47
